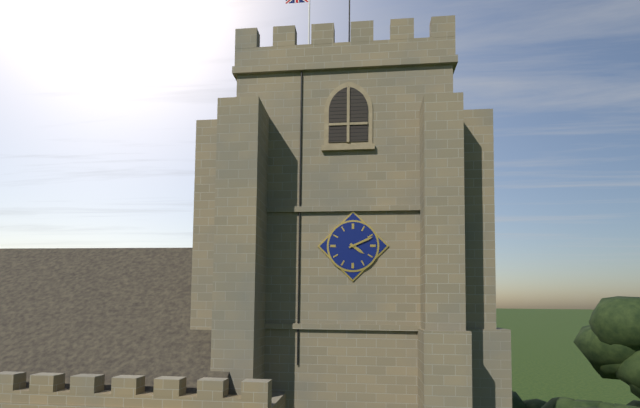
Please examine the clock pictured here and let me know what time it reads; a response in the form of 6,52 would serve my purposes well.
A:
4,11
